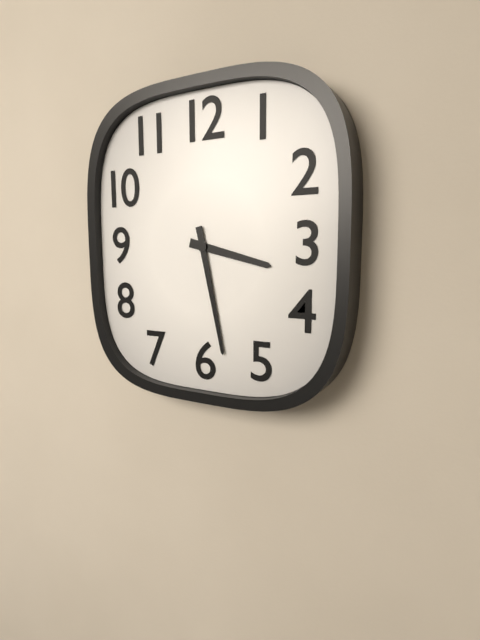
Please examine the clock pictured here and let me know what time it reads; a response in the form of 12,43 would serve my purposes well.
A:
3,28
